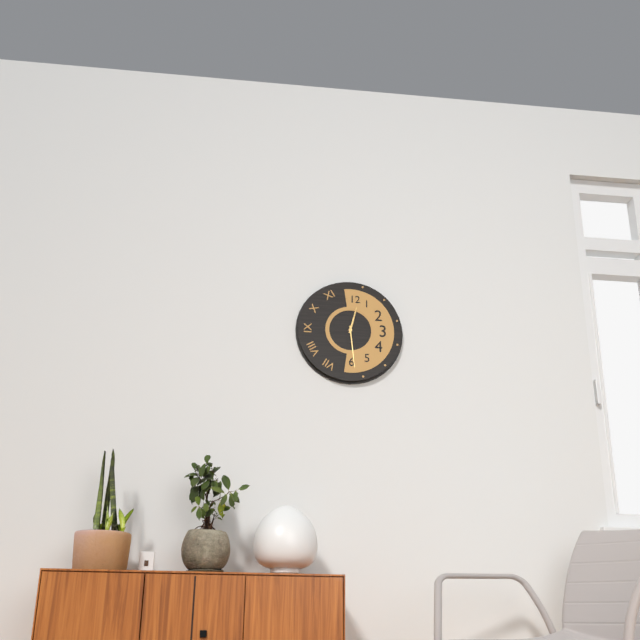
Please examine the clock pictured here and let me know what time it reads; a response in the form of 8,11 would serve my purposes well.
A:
12,29
